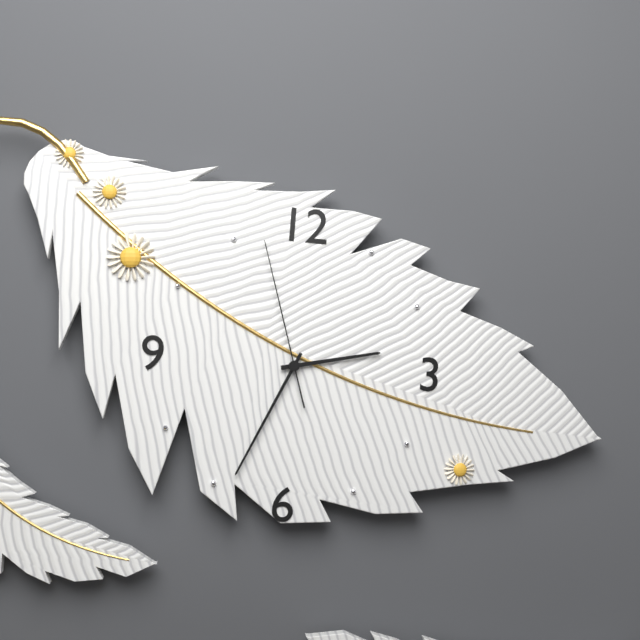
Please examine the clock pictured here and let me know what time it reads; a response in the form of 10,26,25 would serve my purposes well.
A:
2,34,57
